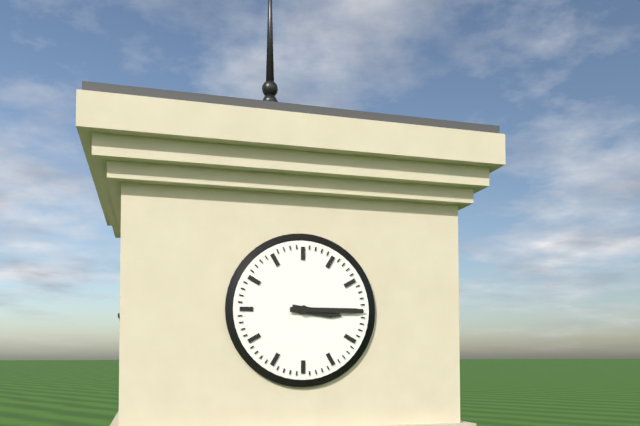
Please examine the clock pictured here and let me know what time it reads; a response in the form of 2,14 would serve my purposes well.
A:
3,15
